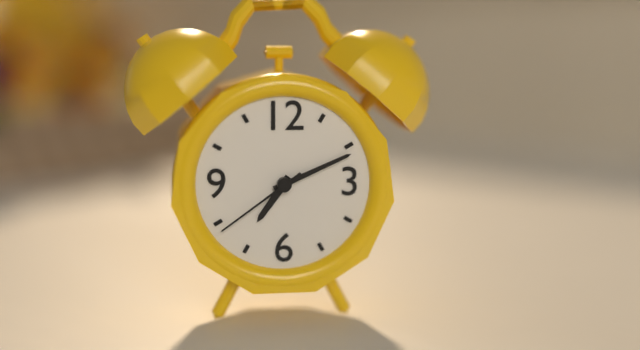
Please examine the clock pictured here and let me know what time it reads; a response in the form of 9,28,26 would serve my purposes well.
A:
7,11,39
